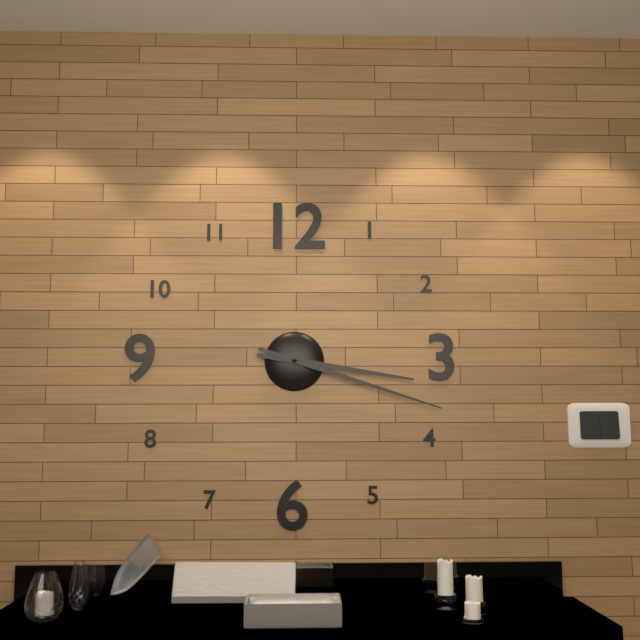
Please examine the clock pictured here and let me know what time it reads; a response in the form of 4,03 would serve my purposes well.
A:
3,18
